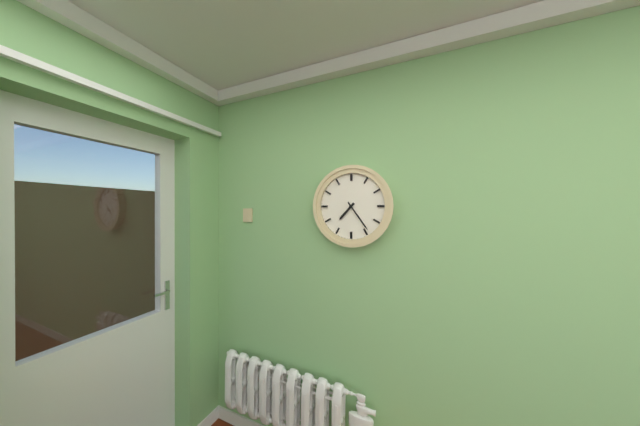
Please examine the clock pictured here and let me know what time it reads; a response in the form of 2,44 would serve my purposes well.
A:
7,24
